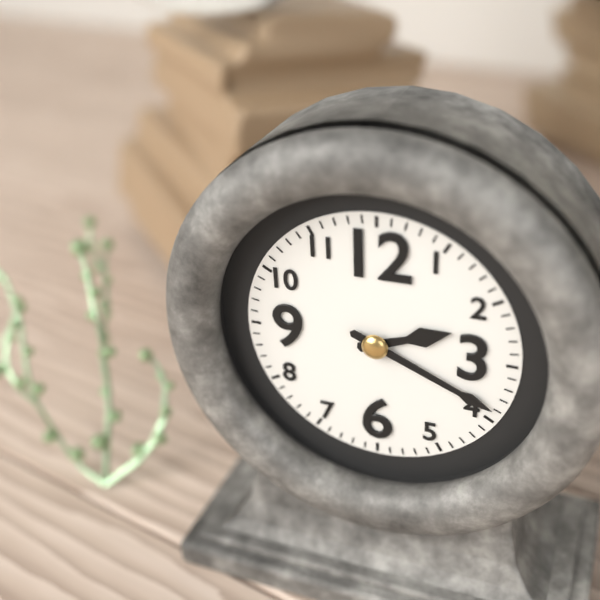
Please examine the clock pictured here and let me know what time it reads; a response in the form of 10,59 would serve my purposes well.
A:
2,19
